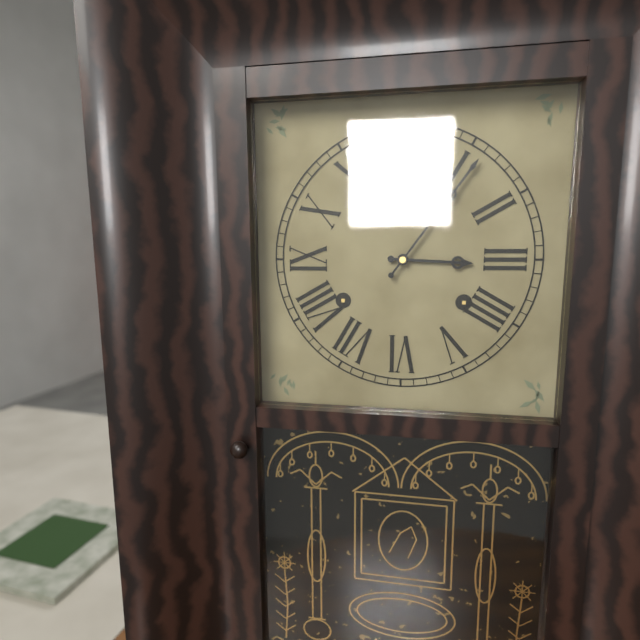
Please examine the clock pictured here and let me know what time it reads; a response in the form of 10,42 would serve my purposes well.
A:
3,06
